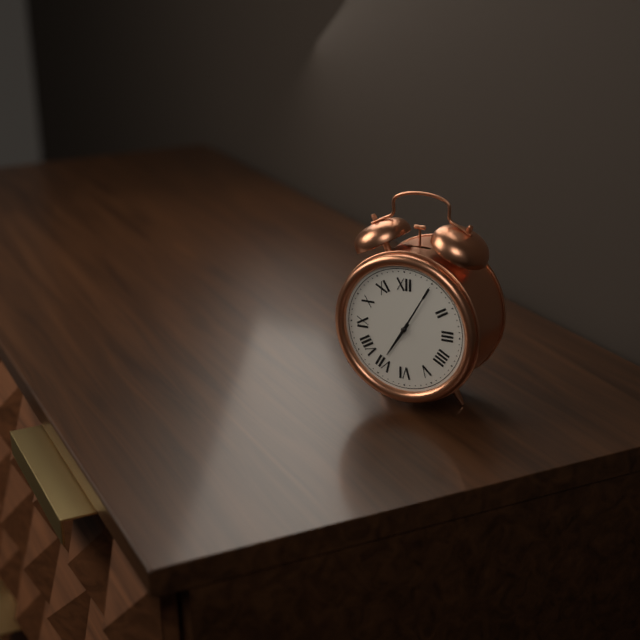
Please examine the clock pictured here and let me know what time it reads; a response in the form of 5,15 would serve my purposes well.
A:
7,05
